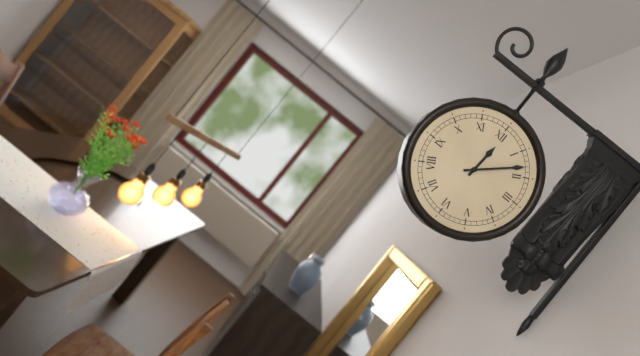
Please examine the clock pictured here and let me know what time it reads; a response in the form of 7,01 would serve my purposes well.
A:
12,08
